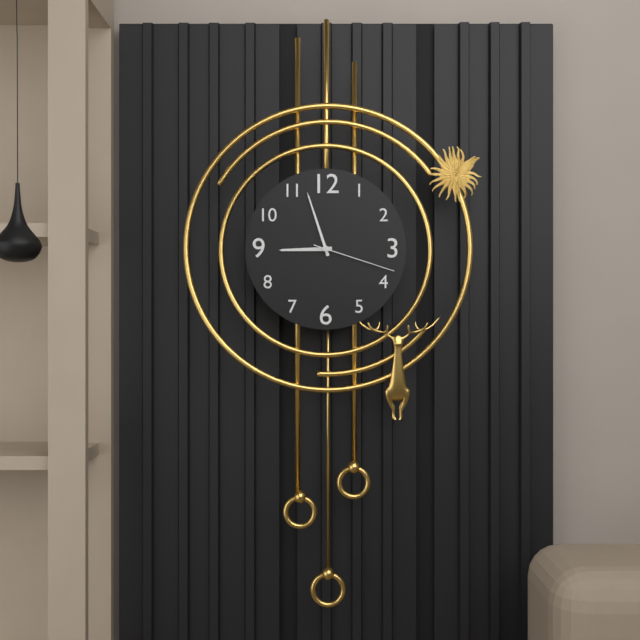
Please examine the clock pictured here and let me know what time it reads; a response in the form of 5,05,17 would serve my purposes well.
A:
8,57,18
